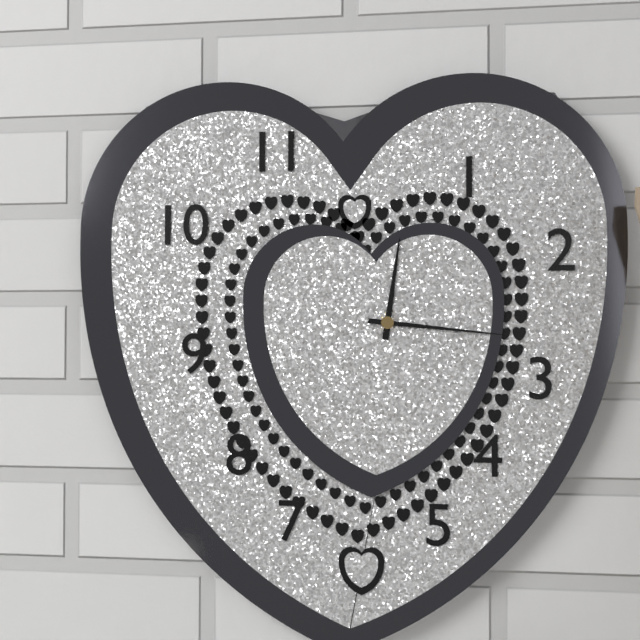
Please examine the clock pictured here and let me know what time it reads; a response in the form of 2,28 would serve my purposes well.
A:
12,16
